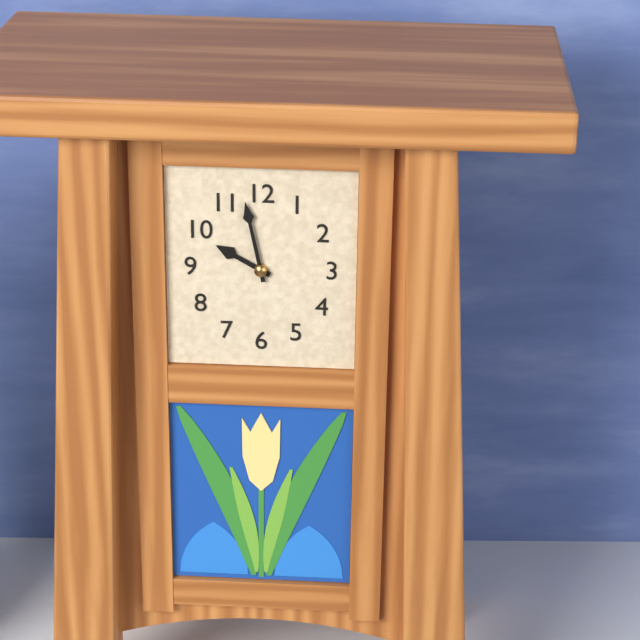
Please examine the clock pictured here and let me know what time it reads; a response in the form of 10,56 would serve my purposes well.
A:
9,58
